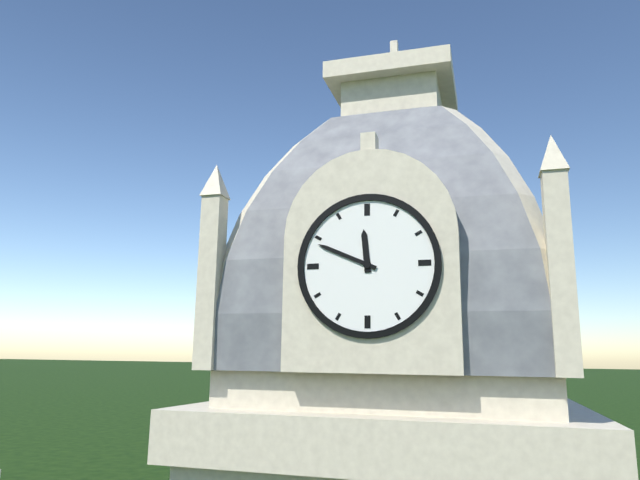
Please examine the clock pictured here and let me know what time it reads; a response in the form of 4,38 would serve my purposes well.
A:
11,49
